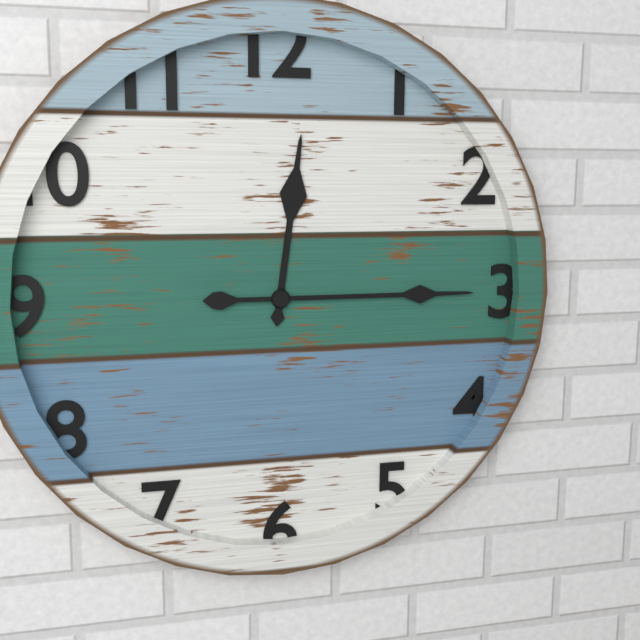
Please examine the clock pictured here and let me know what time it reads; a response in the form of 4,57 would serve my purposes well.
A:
12,15
